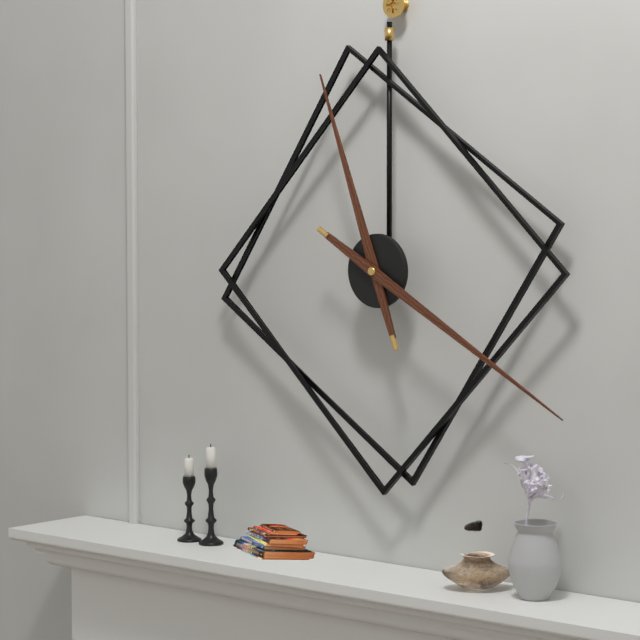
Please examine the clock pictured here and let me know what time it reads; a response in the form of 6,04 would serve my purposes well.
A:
11,20
